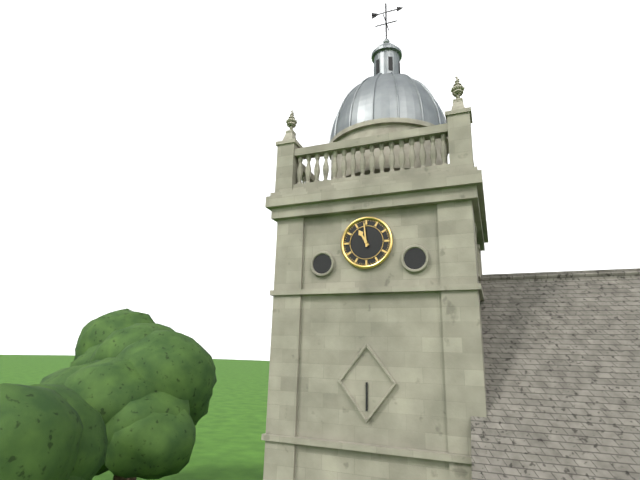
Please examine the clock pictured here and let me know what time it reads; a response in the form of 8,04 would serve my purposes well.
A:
10,59
